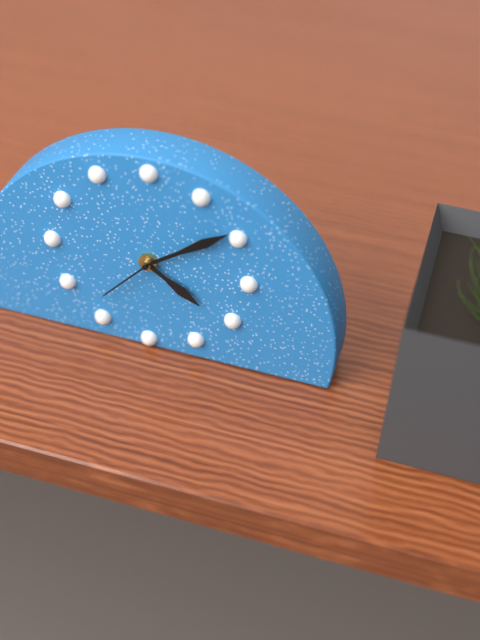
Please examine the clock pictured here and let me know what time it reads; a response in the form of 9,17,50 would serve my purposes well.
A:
4,09,37
